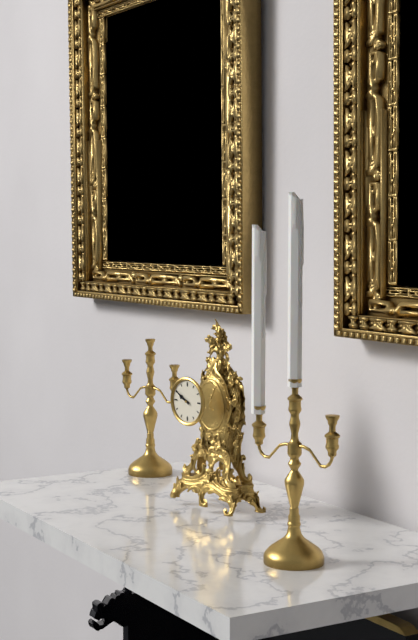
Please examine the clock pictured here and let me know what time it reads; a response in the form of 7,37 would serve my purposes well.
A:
9,50
